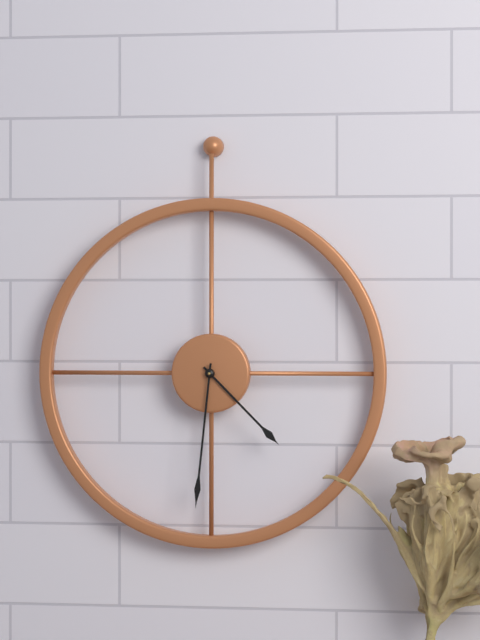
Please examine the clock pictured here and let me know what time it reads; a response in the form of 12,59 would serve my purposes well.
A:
4,31
